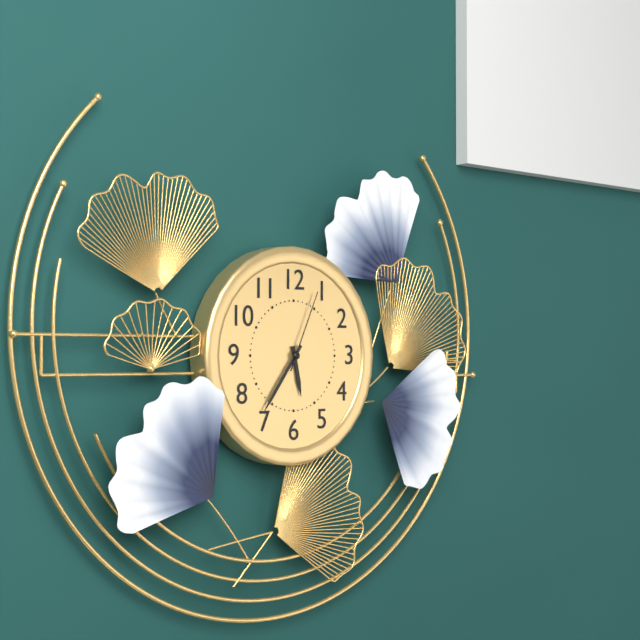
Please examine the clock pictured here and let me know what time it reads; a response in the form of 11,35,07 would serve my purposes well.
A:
5,36,04
